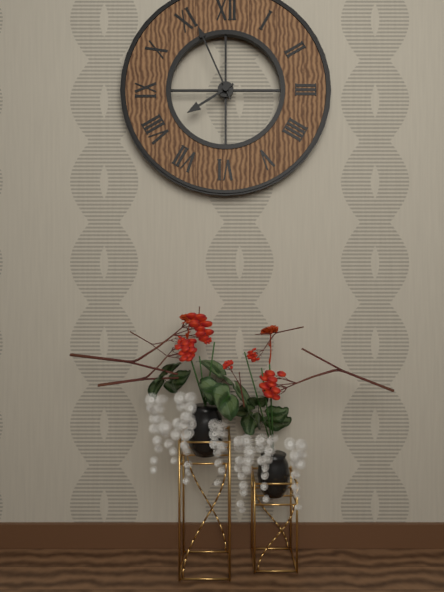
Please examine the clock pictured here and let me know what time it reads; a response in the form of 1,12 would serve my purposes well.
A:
7,56
